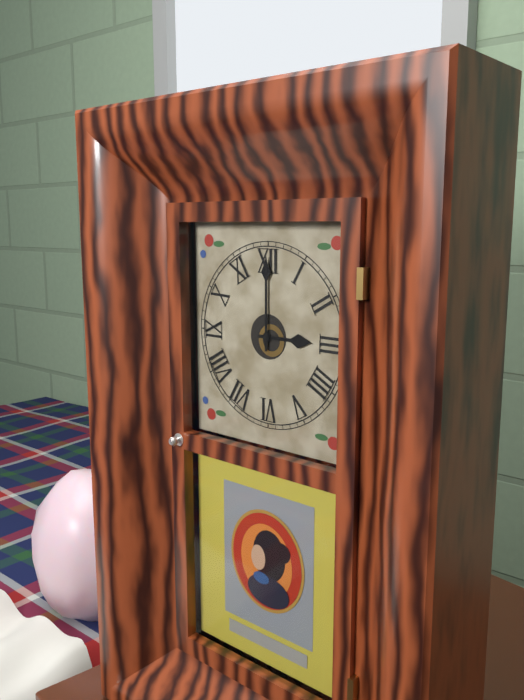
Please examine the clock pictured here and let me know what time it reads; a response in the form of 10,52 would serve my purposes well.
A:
3,00
